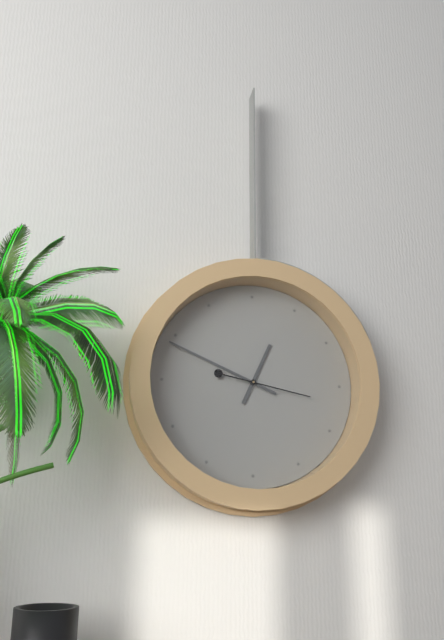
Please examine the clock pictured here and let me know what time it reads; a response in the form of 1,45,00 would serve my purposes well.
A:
12,49,17
